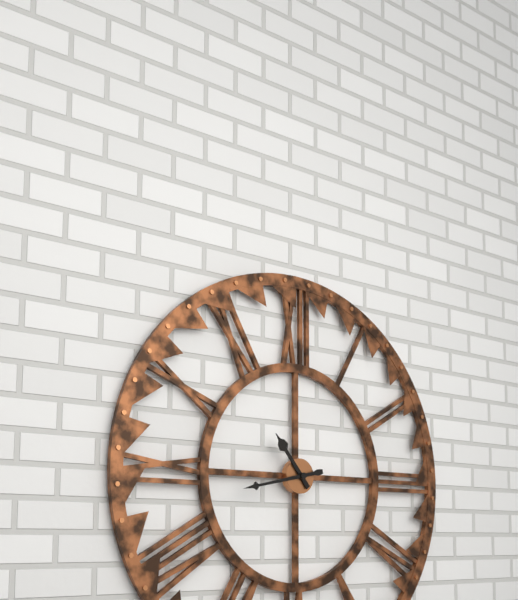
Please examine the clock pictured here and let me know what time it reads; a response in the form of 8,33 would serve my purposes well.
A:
10,43
